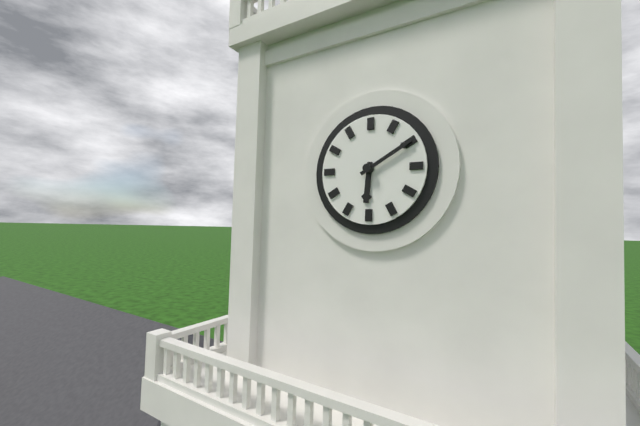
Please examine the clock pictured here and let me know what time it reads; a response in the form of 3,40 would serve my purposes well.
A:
6,10
